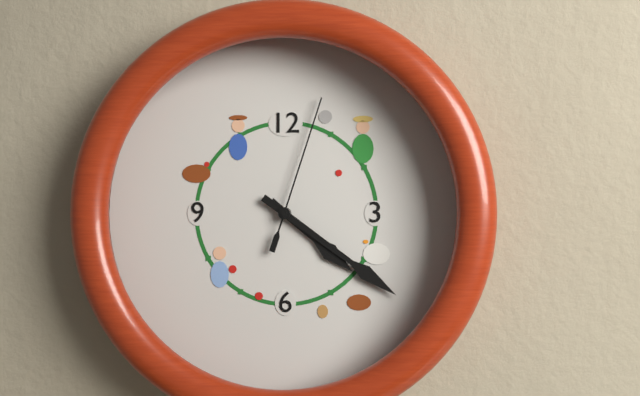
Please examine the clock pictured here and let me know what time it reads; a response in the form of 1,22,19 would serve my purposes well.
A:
4,21,03
